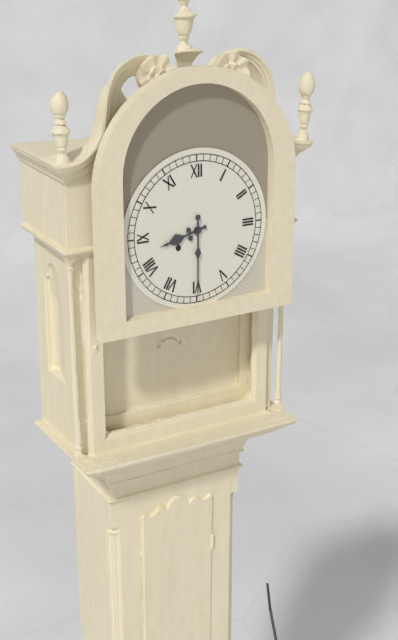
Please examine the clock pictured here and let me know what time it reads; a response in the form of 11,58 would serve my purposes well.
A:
8,30
